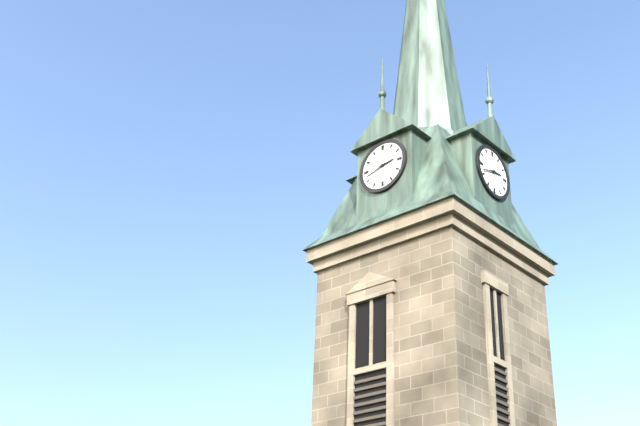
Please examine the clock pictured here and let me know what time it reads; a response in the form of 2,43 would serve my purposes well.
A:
2,42
